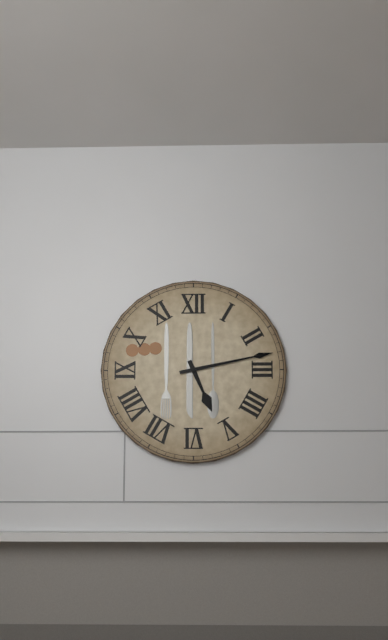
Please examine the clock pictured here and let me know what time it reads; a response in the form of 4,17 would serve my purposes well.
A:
5,13
